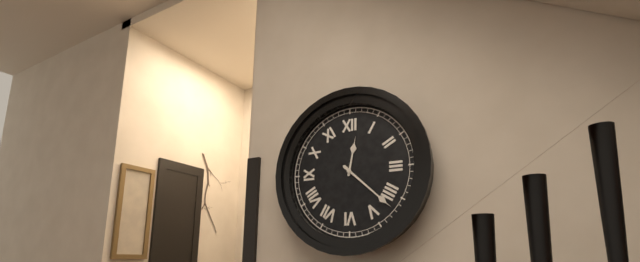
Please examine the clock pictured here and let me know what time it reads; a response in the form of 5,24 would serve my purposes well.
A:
12,22
